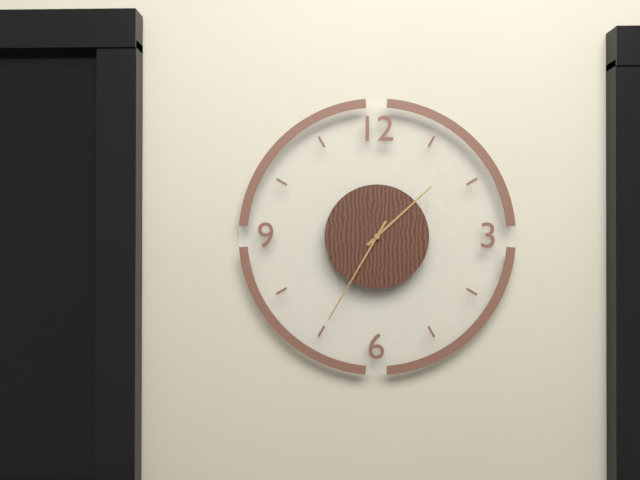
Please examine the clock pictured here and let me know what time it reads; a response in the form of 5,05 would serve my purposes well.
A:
1,35
